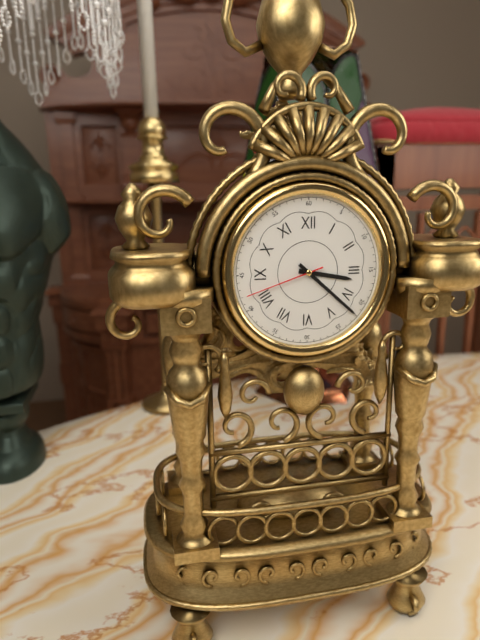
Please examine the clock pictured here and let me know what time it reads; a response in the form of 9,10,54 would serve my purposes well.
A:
3,22,42
